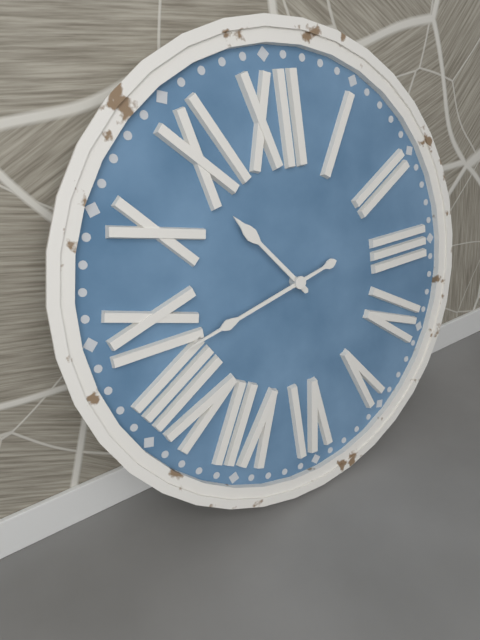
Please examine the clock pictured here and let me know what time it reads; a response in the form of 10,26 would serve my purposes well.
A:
10,43
